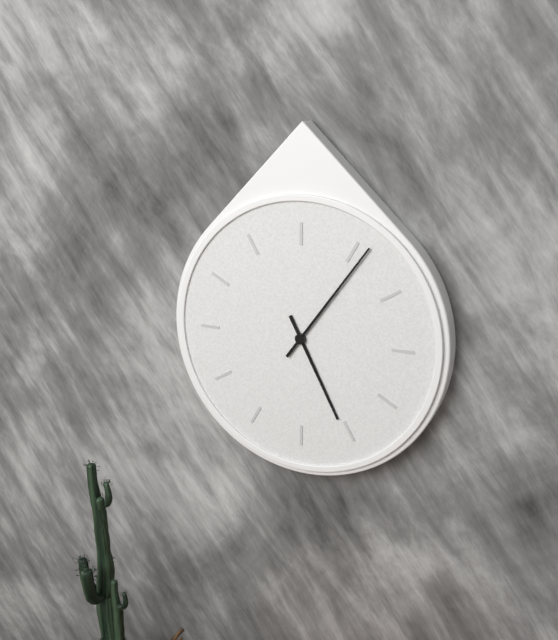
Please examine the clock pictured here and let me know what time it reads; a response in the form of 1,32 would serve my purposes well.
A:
5,06
